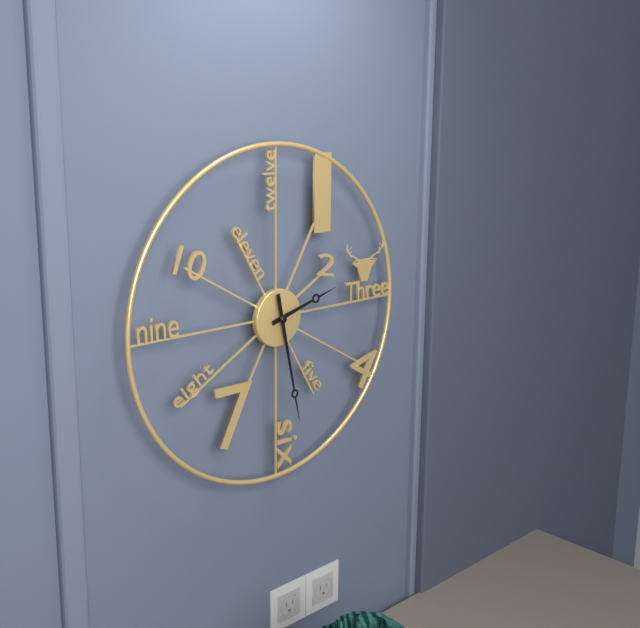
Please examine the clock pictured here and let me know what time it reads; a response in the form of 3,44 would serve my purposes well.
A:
2,28
